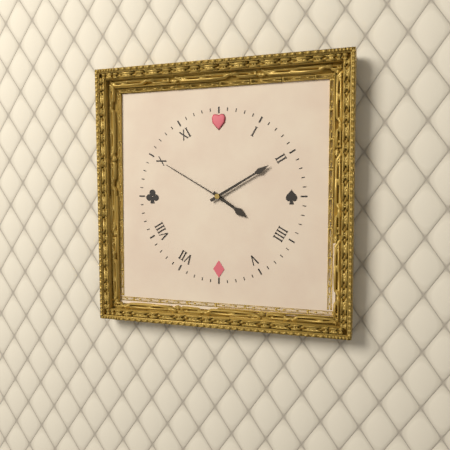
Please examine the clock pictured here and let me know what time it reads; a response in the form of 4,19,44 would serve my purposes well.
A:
4,10,50
